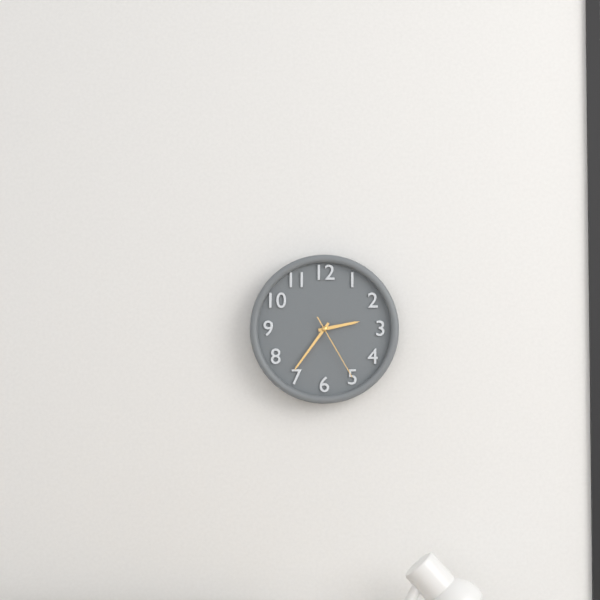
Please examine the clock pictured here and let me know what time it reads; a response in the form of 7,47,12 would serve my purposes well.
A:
2,36,25
